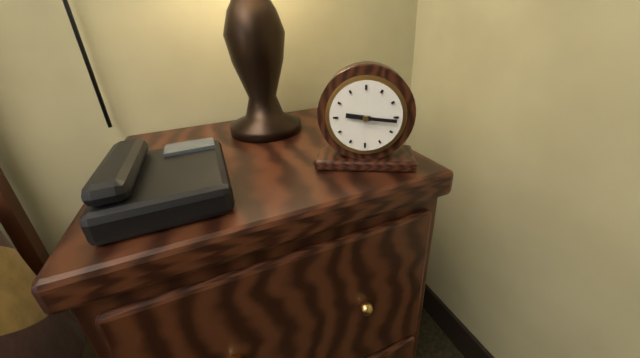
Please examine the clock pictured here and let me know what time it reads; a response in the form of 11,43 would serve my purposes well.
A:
9,16
